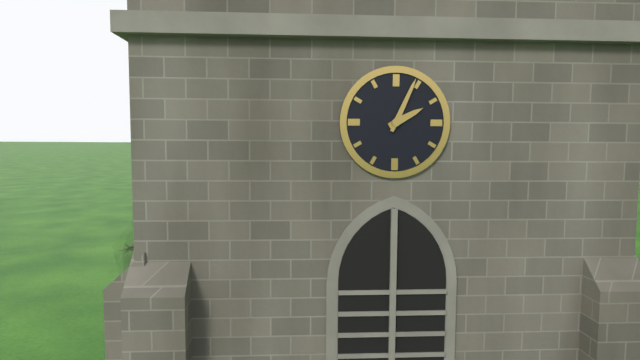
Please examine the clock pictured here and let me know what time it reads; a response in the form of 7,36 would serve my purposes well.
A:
2,04
